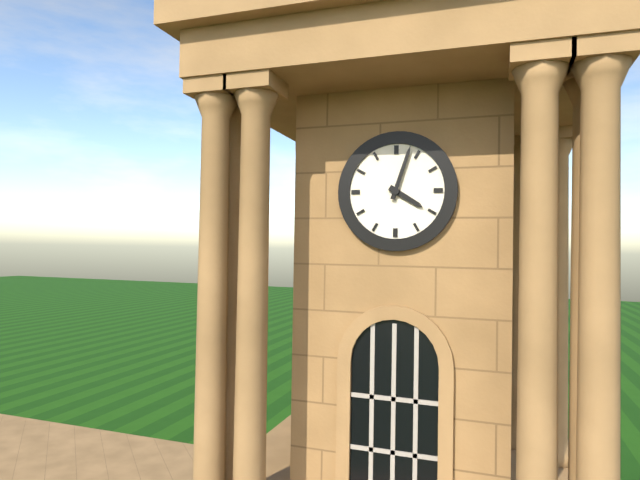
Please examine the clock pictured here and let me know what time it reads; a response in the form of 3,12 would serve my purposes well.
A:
4,03
